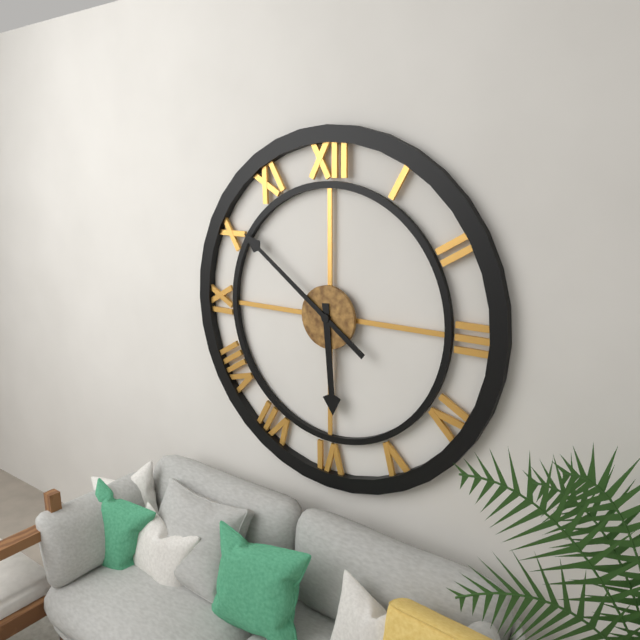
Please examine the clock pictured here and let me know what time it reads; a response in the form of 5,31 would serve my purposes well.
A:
5,51
